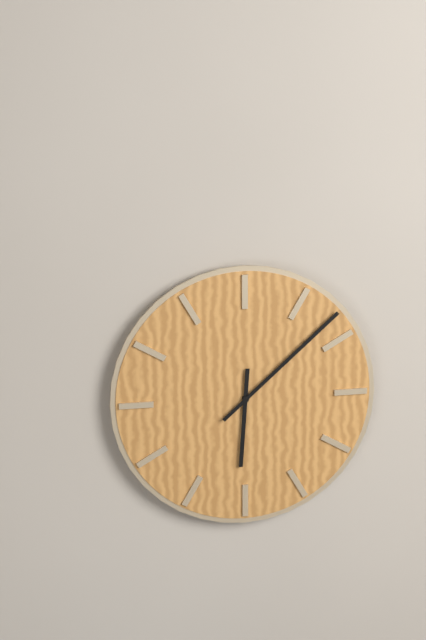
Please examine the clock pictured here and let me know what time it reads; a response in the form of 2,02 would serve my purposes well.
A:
6,08
